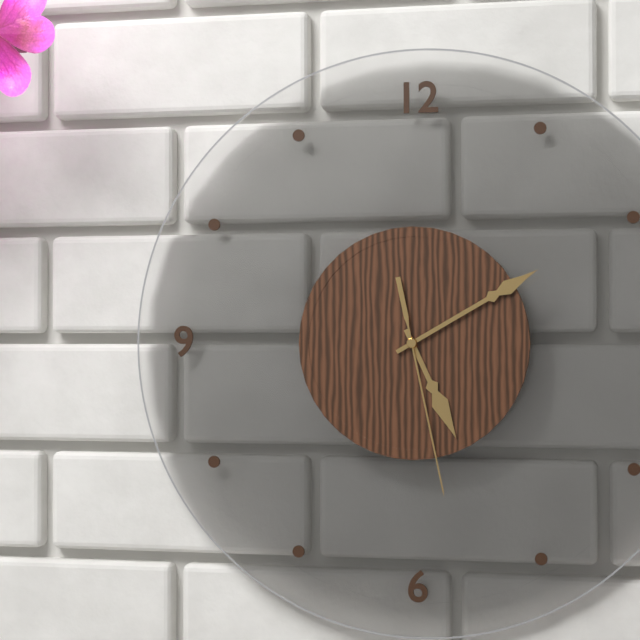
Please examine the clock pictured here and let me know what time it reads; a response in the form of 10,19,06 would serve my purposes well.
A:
5,10,28
